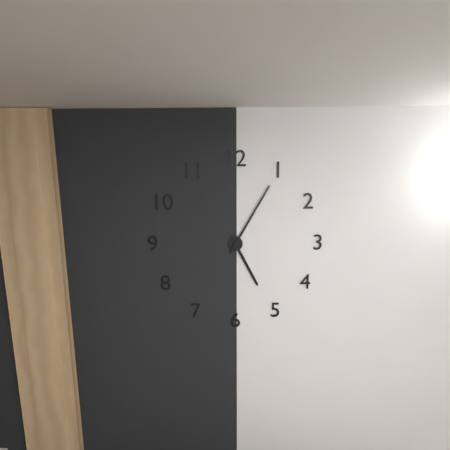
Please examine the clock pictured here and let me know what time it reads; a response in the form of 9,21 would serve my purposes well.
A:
5,05
